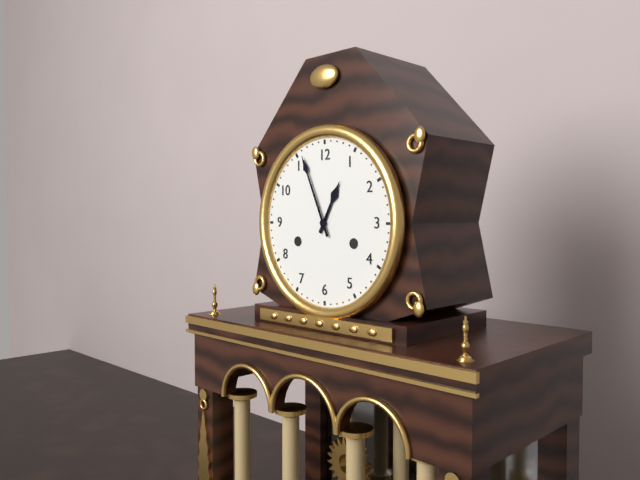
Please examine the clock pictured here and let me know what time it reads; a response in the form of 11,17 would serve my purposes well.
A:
12,56
